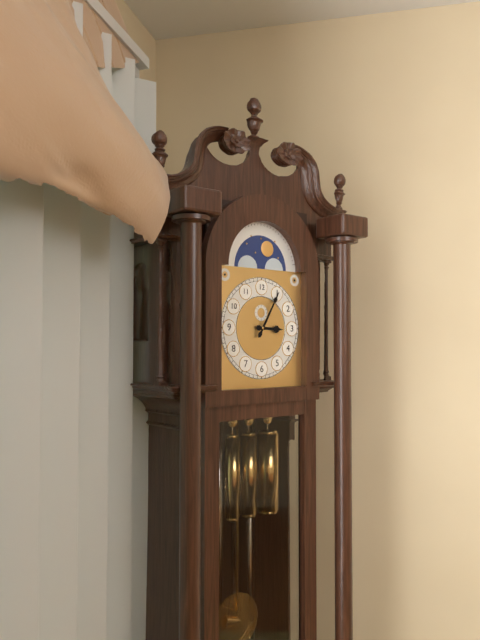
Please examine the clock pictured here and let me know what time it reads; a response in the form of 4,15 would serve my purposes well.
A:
3,05
